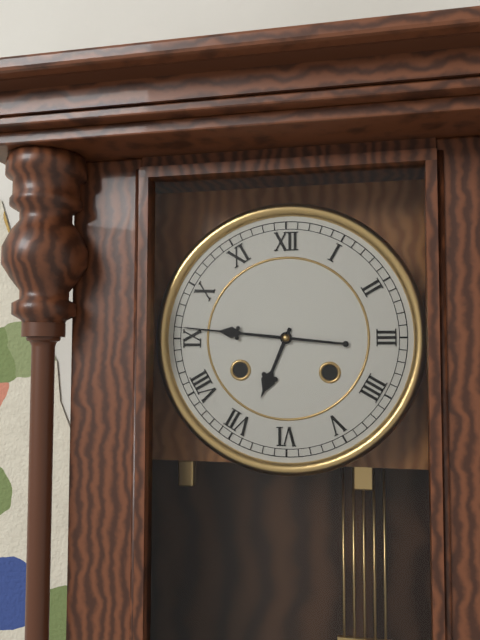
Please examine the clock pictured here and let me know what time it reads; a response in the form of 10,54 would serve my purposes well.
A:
6,46
